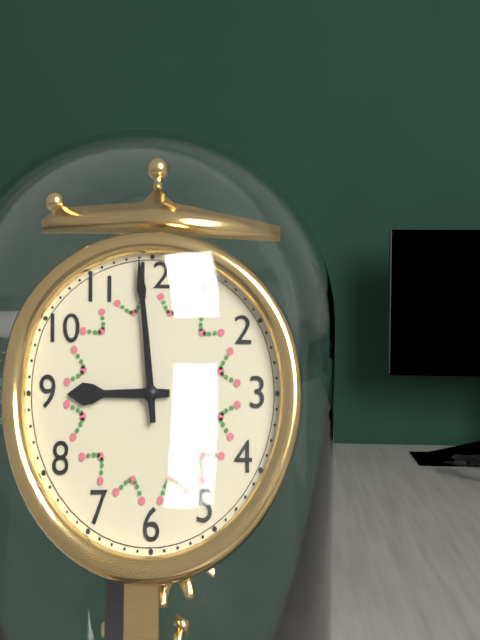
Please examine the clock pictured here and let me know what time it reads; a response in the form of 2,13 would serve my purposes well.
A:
8,59
